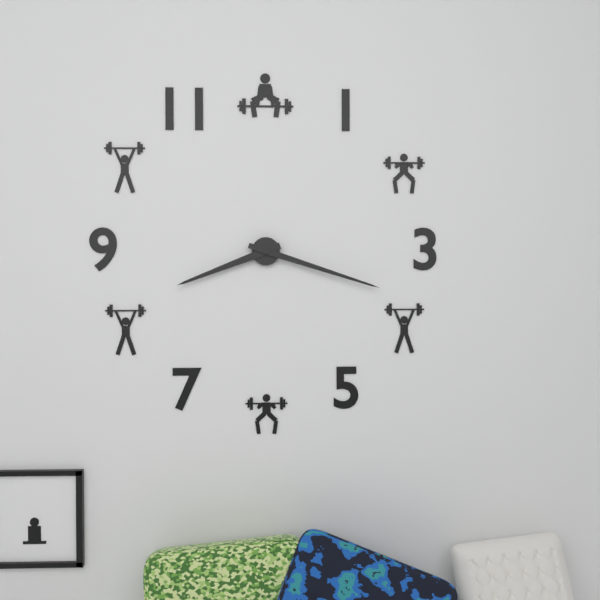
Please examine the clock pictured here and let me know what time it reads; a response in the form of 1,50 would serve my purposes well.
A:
8,18
